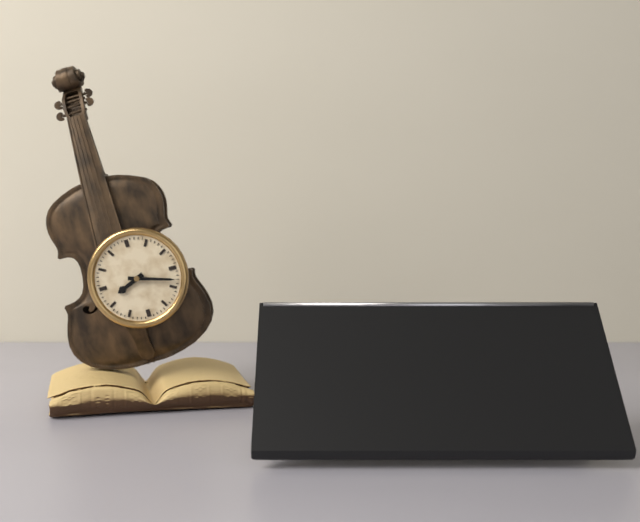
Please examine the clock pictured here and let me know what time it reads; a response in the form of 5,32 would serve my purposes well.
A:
8,18
